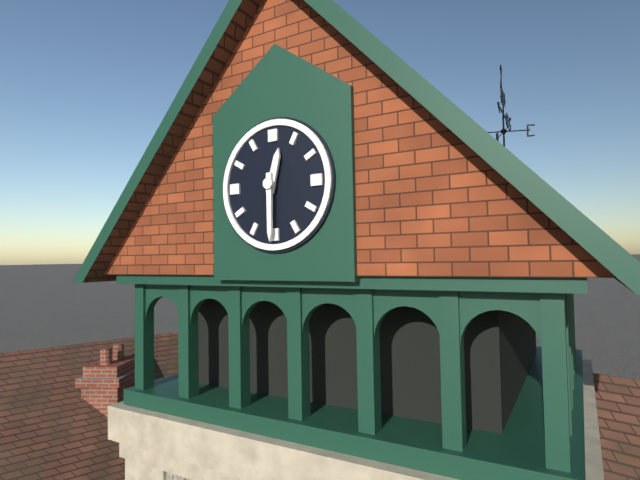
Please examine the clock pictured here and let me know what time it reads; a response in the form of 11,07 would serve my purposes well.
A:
12,30
